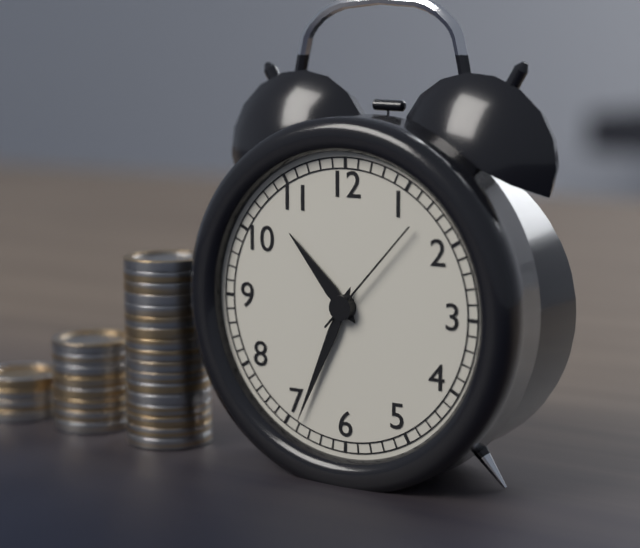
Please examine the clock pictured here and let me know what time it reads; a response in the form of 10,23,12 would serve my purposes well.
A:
10,34,07
